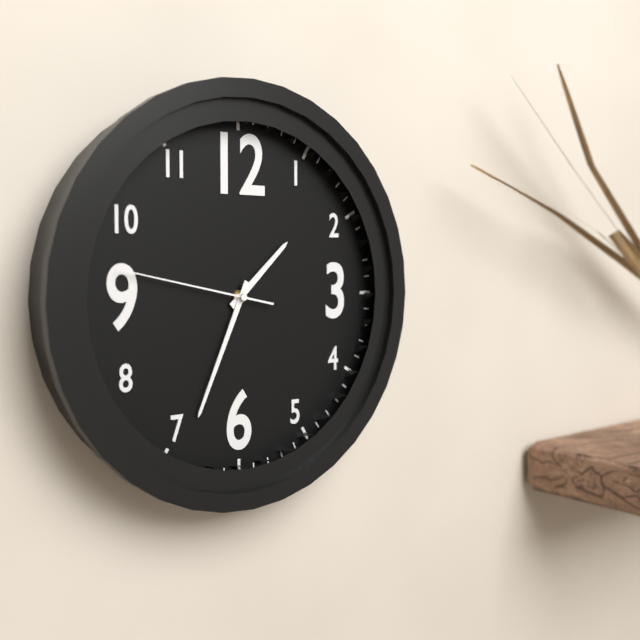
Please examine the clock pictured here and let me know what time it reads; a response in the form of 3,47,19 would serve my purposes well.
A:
1,34,47
